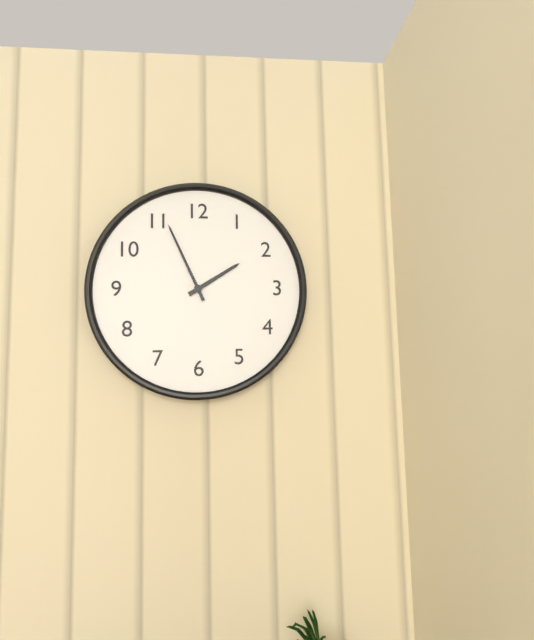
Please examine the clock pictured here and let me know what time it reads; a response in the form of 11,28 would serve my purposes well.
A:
1,56
